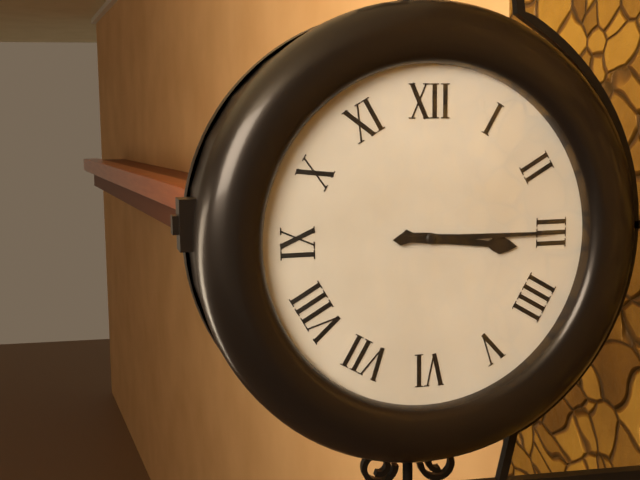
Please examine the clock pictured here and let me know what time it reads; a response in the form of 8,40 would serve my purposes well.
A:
3,15
